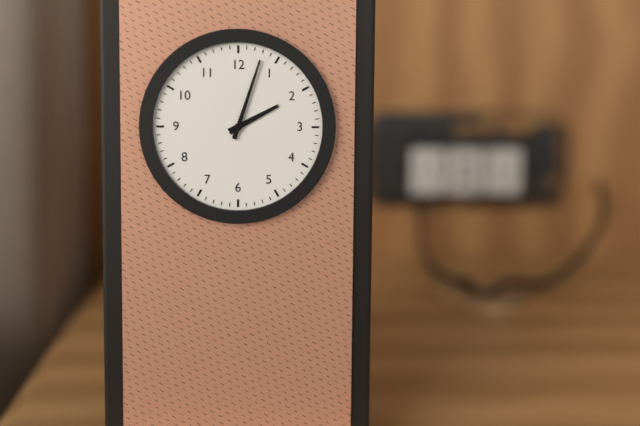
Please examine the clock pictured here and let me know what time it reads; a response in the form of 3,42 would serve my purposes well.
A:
2,03
